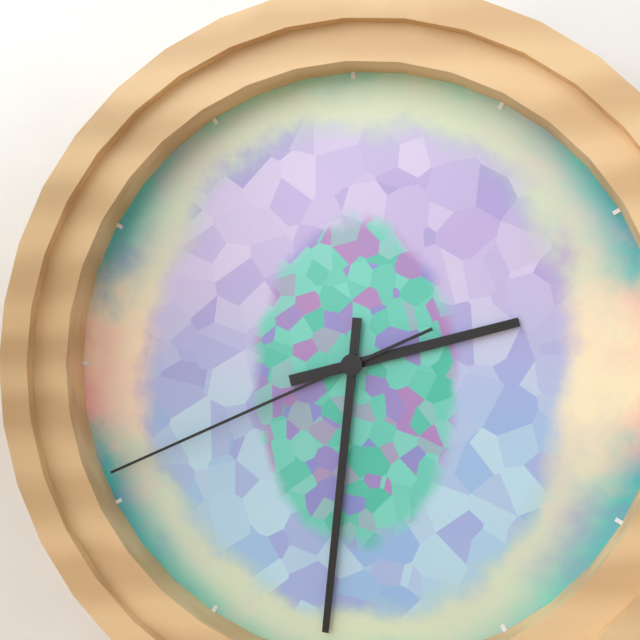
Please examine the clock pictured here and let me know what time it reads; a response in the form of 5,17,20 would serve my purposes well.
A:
2,31,41
